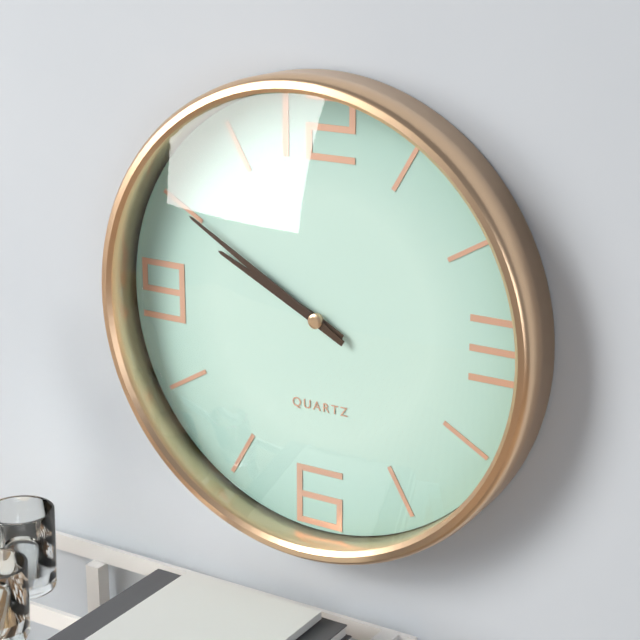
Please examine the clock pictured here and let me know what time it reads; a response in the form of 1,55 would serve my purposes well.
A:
9,50
